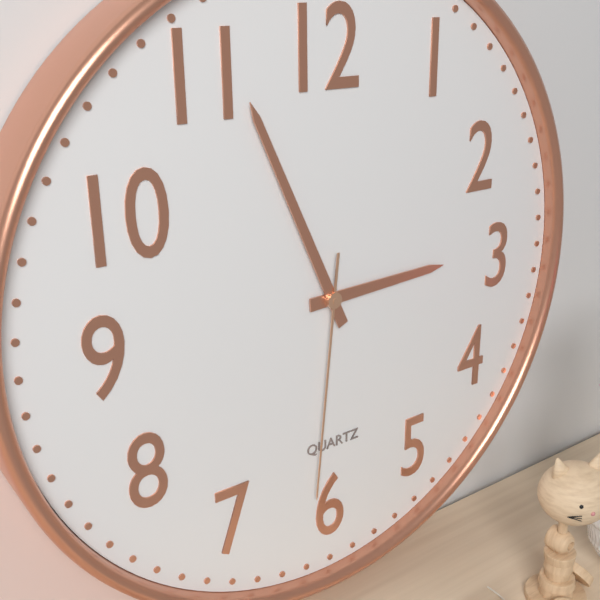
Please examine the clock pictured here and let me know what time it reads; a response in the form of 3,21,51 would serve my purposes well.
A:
2,56,31
